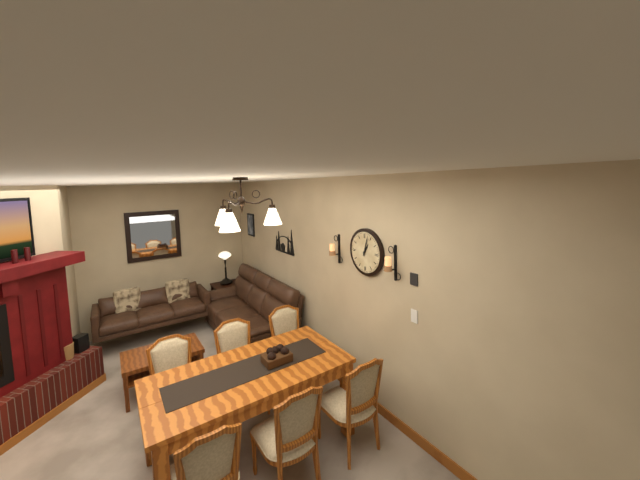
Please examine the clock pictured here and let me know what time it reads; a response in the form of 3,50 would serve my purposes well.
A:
1,03
